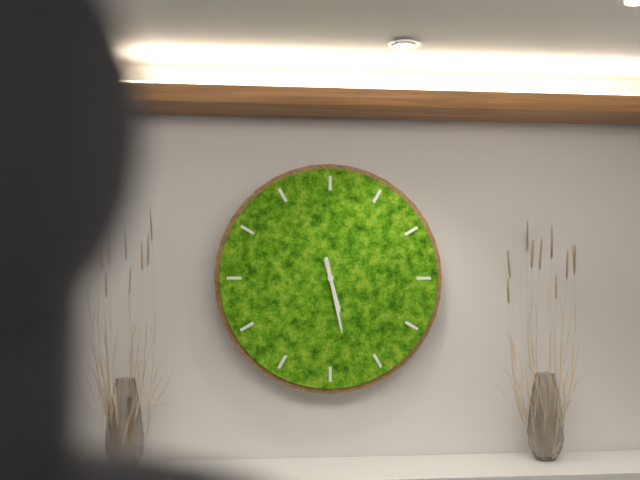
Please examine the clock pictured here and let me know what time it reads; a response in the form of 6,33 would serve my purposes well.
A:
5,28
